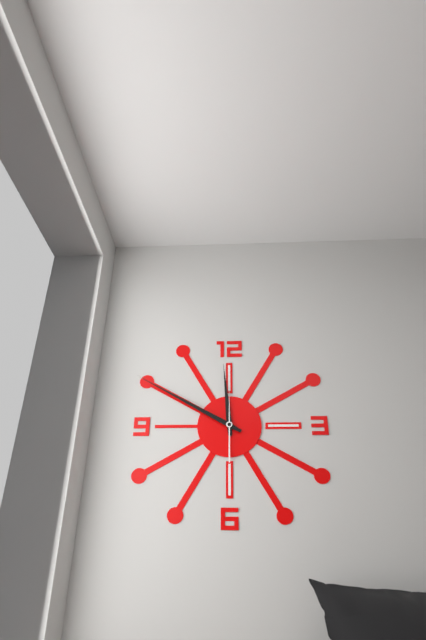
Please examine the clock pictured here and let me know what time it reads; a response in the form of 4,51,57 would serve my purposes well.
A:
11,50,00
